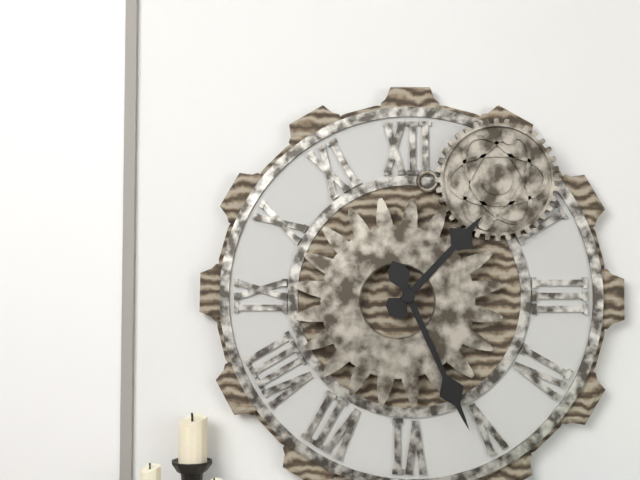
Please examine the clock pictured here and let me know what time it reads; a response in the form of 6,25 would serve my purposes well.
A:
1,26
